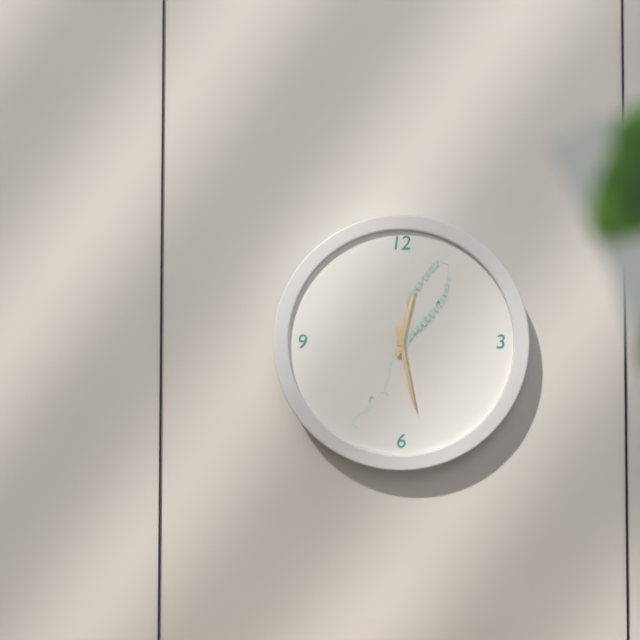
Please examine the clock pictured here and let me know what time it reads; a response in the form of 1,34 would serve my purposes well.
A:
12,28
